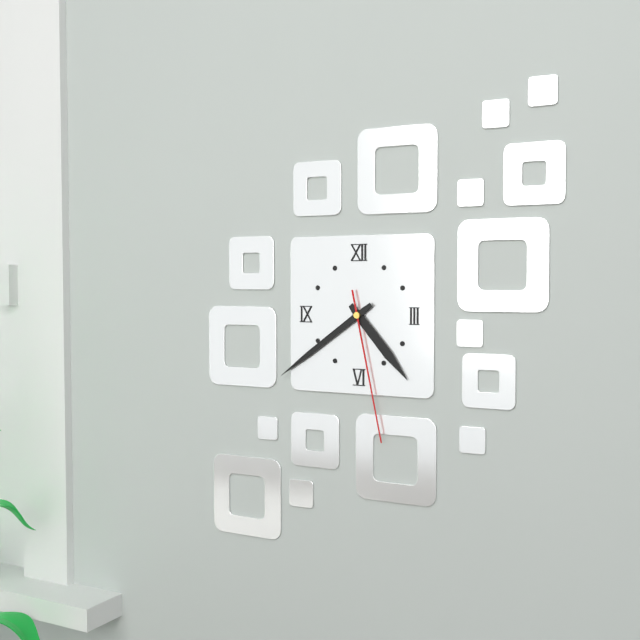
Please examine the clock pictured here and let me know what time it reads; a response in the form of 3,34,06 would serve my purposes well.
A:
4,39,28
